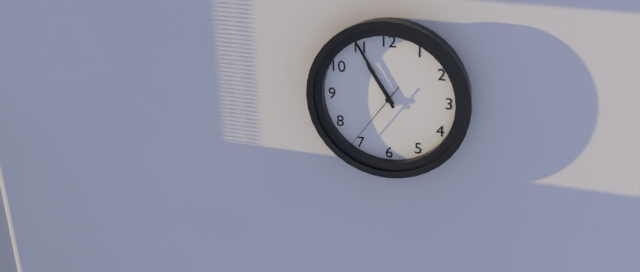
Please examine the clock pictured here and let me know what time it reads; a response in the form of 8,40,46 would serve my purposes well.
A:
10,55,36
